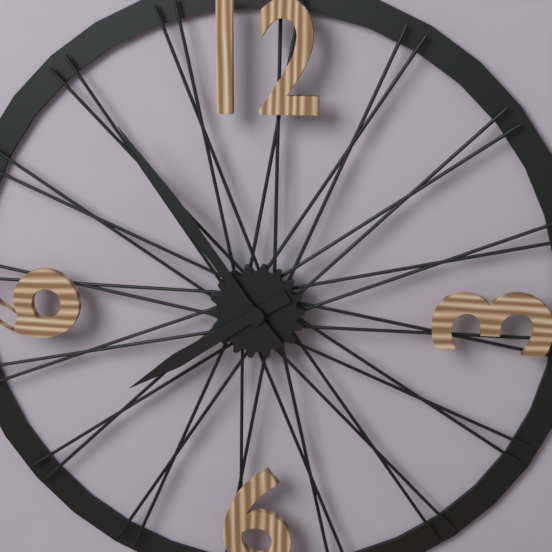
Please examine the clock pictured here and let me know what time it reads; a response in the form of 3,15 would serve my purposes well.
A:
7,54
